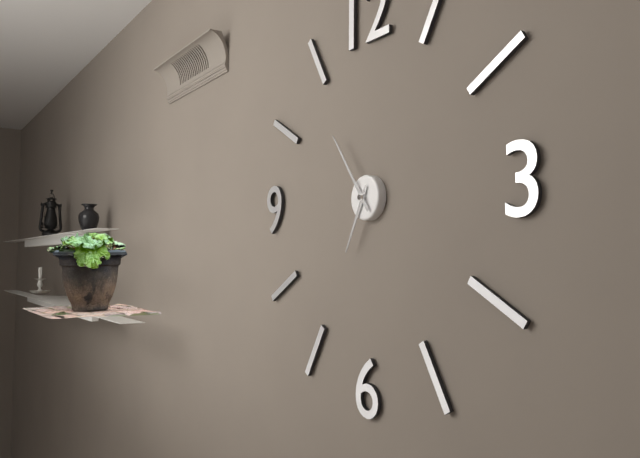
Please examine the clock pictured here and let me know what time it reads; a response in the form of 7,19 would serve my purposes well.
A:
6,54
